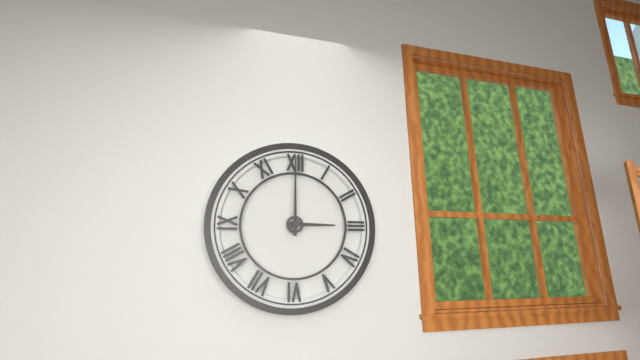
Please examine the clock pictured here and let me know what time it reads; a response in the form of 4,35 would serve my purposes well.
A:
3,00
